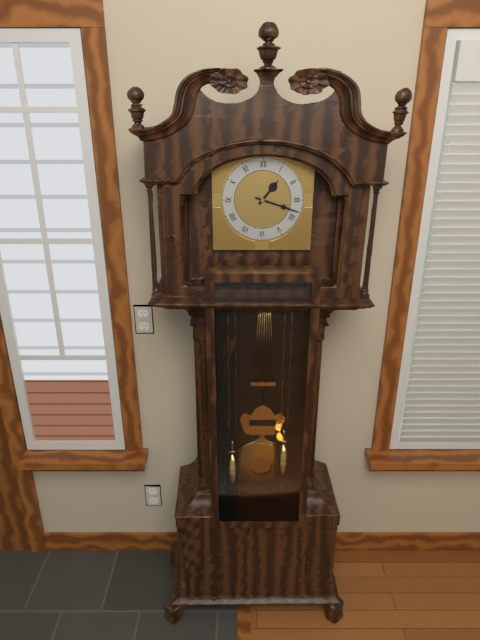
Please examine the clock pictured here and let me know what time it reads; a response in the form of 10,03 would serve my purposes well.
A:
1,18
